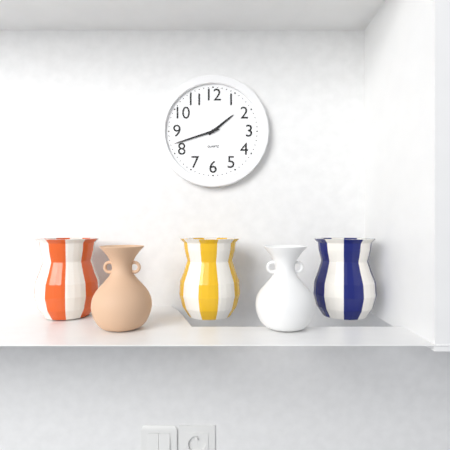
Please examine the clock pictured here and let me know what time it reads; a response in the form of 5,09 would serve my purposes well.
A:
1,42
